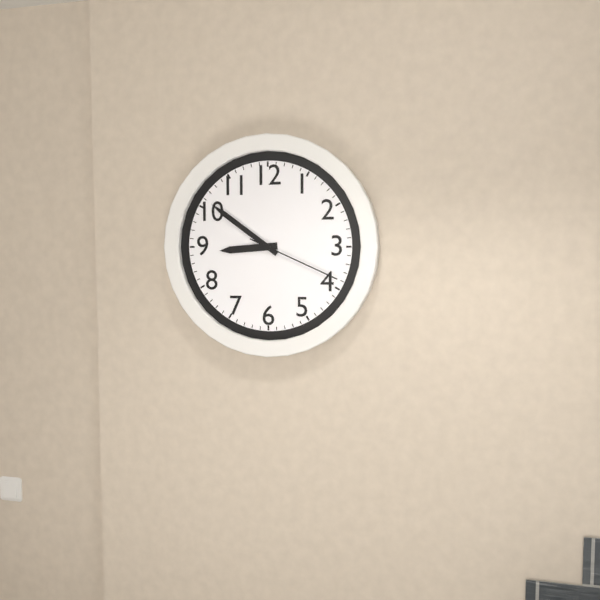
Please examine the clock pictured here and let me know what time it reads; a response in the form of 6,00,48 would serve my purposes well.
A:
8,51,19
